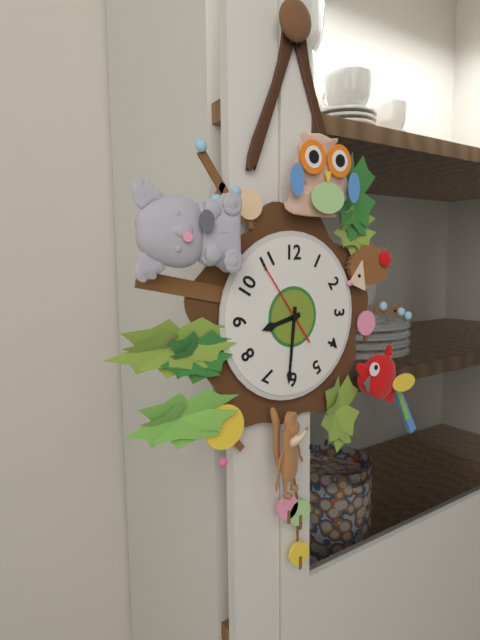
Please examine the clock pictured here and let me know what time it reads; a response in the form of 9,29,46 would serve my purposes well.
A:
8,31,54
